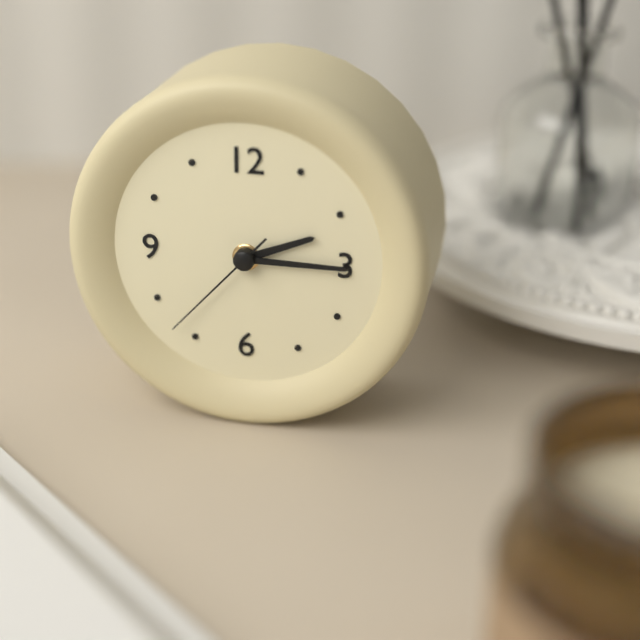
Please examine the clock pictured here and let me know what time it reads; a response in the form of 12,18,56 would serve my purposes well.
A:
2,15,37
